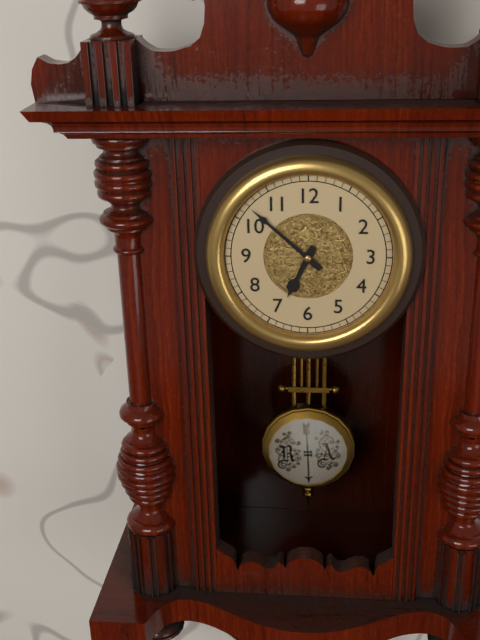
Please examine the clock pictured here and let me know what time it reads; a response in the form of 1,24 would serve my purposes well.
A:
6,52
